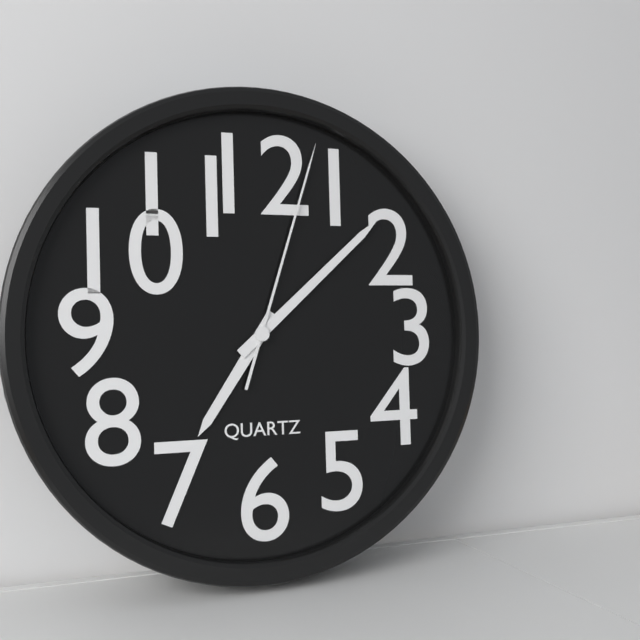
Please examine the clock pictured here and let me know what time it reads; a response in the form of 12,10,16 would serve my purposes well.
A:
7,08,03
